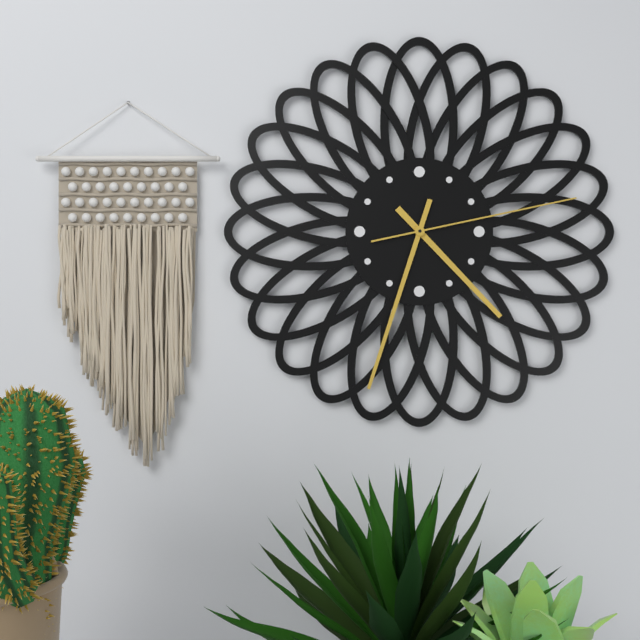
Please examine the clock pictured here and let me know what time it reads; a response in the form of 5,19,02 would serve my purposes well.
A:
4,33,13
